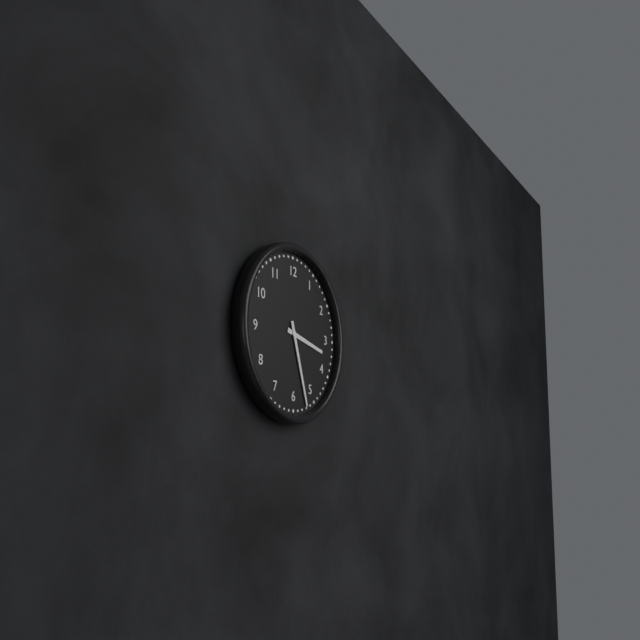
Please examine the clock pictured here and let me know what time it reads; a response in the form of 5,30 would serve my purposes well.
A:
3,27
